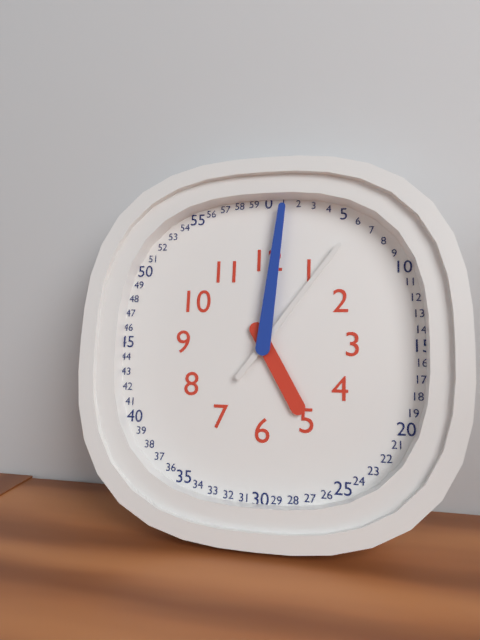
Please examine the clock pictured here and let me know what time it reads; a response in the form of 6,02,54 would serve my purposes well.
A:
5,01,06
